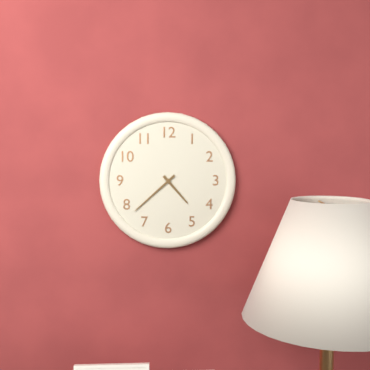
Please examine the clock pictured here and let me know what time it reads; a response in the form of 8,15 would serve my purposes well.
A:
4,38
